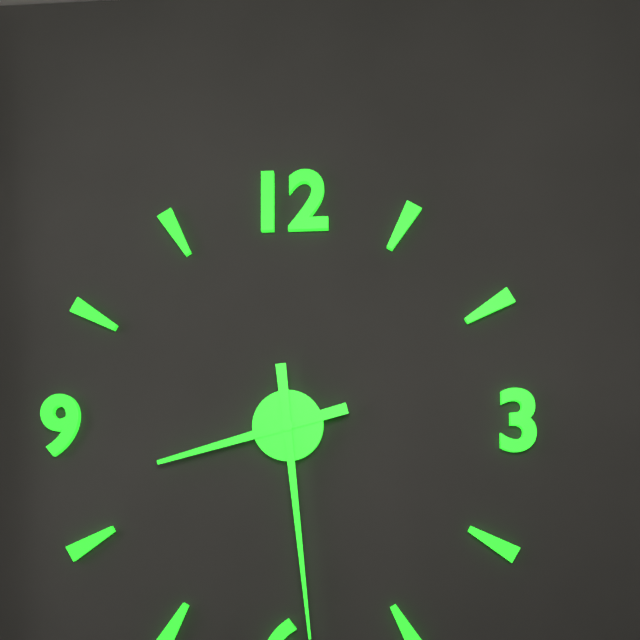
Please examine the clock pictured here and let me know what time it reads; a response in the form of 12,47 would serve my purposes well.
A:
8,29
